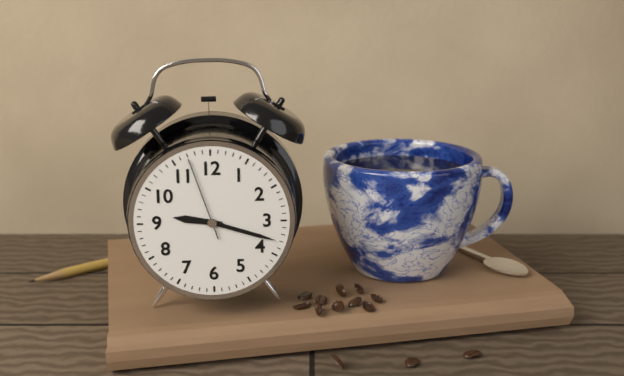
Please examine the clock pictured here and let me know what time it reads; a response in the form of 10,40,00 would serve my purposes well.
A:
9,18,57
